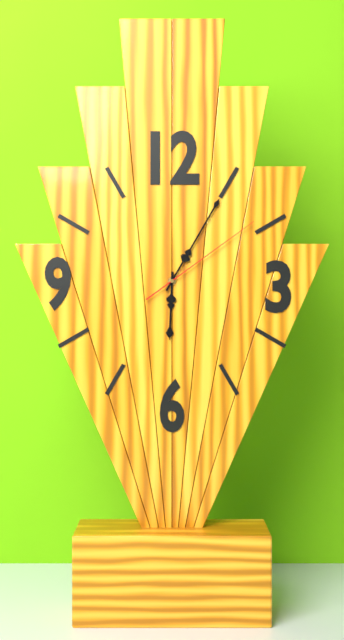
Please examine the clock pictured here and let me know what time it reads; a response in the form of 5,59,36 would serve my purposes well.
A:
6,05,09
